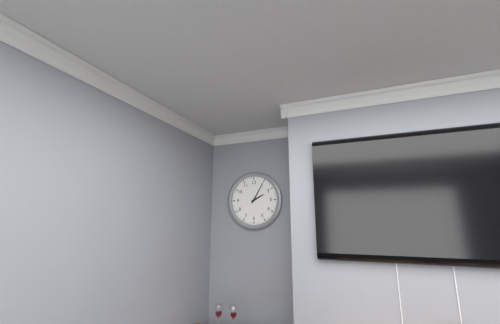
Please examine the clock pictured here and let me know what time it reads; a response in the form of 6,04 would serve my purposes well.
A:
2,05
